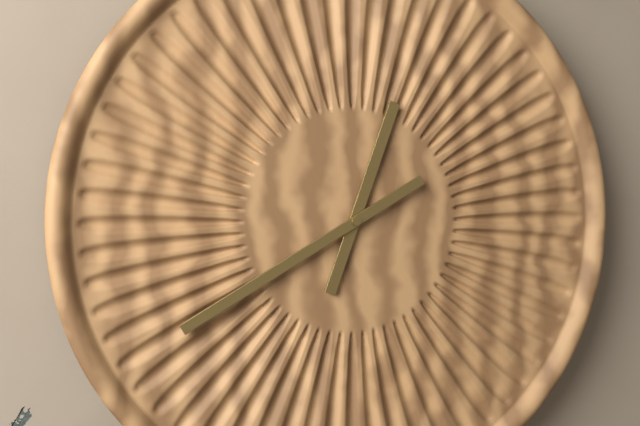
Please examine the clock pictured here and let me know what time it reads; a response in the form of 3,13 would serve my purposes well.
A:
12,40
